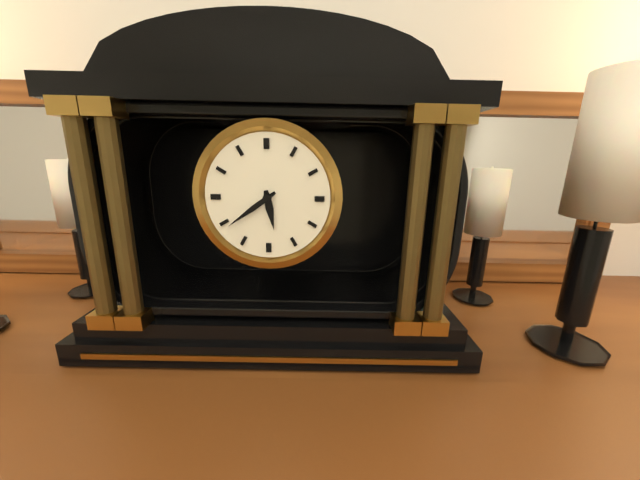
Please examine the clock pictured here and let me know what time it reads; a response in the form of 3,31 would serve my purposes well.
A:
5,39
